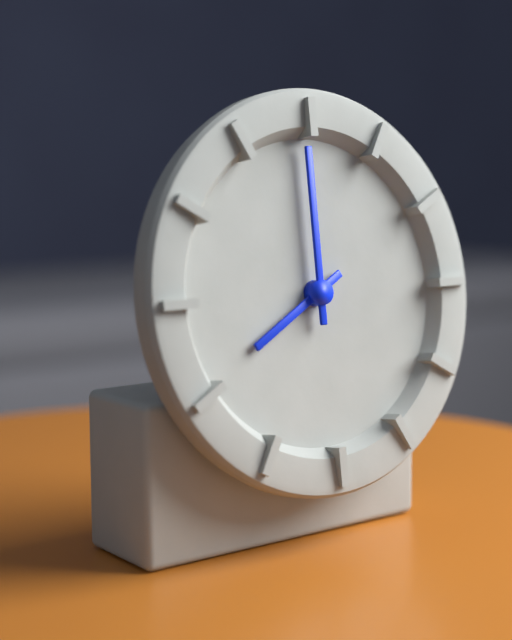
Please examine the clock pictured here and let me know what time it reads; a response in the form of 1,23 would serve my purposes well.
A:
8,00
